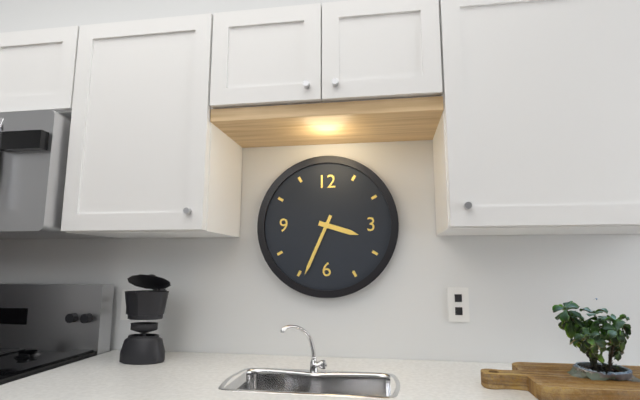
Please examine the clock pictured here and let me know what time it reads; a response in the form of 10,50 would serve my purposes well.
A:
3,34
